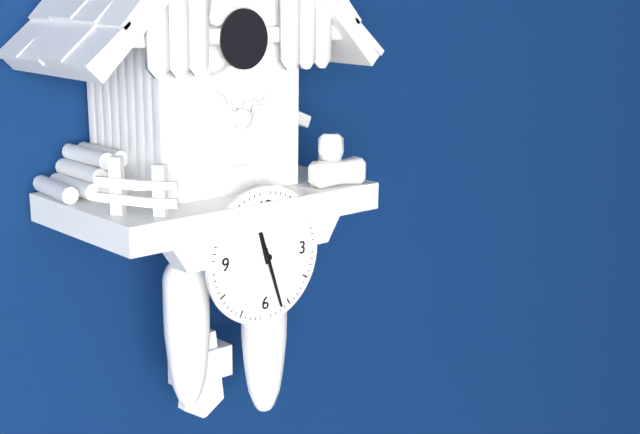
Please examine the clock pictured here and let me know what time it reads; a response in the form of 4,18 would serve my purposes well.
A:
11,27
